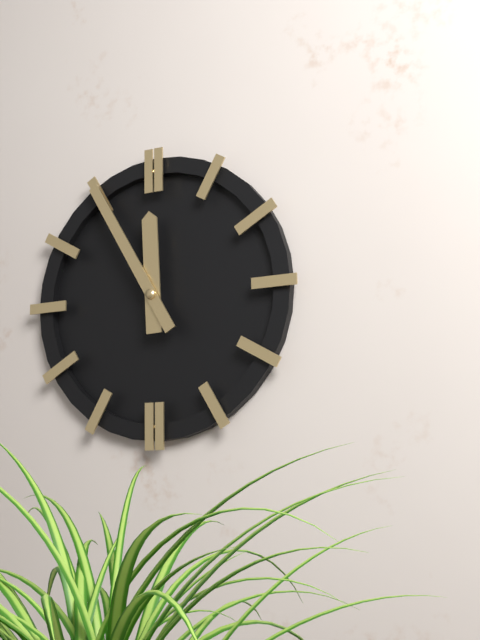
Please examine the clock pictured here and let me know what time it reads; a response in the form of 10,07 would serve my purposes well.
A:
11,55
